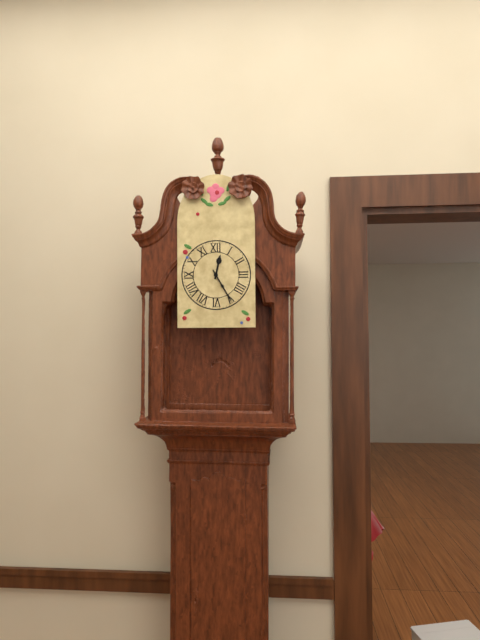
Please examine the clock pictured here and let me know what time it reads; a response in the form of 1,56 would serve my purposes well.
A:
12,25
